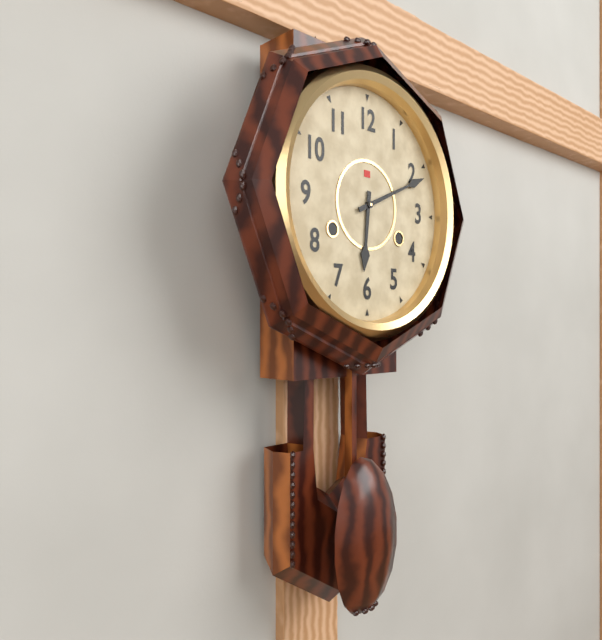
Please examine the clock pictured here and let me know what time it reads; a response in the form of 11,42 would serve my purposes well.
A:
6,11
